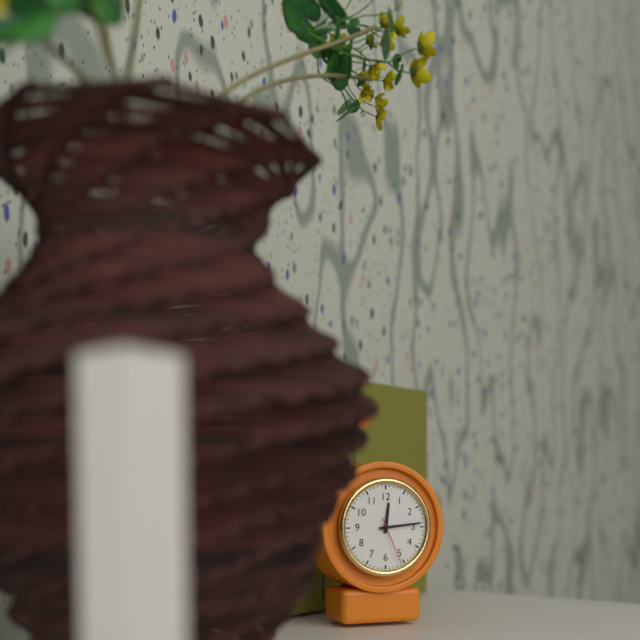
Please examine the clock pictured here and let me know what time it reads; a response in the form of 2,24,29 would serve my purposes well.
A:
12,14,26
